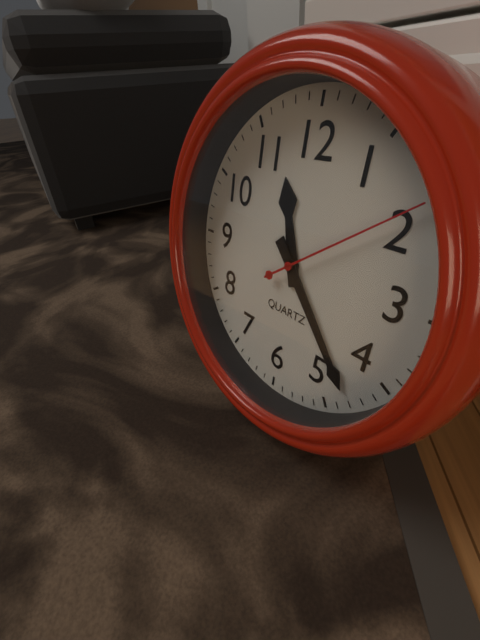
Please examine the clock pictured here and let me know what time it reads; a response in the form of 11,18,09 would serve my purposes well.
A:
11,23,09
